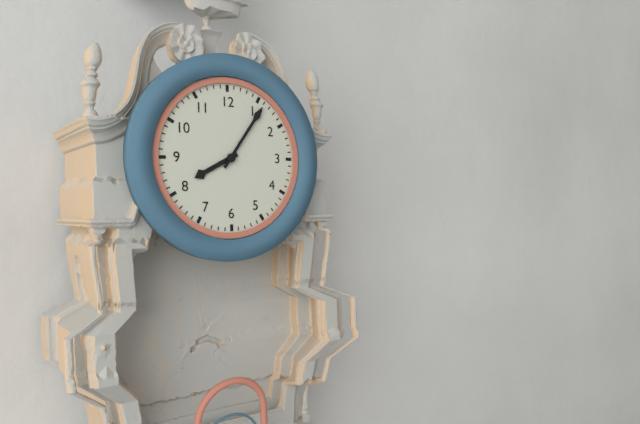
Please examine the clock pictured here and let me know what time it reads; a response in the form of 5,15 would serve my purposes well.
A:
8,06
